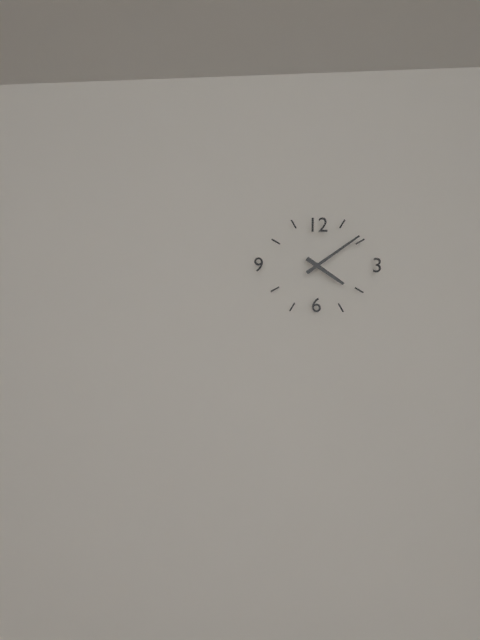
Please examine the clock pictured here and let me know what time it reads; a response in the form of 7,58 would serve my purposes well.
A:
4,09
